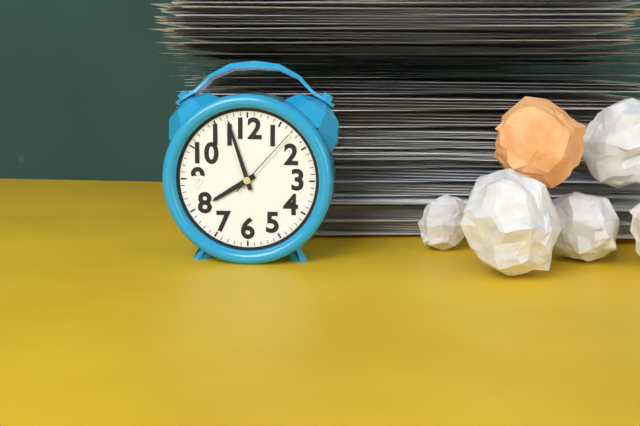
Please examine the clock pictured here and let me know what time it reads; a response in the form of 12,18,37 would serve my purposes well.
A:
7,57,07
